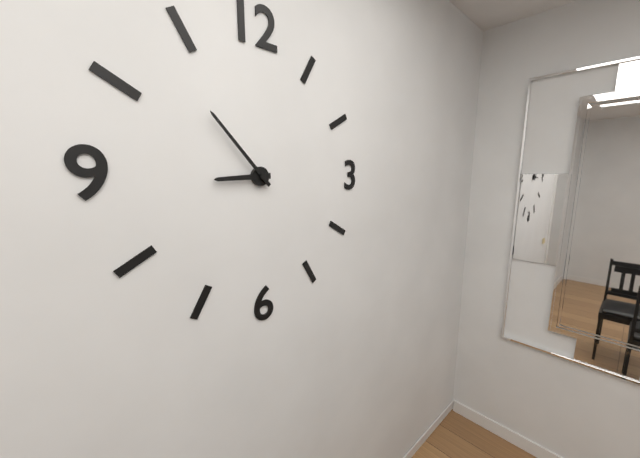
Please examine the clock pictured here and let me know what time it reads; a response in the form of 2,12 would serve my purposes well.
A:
8,53
